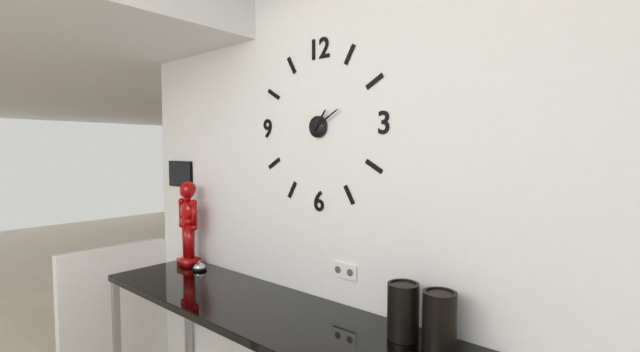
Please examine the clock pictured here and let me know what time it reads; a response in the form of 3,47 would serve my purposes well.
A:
1,10
